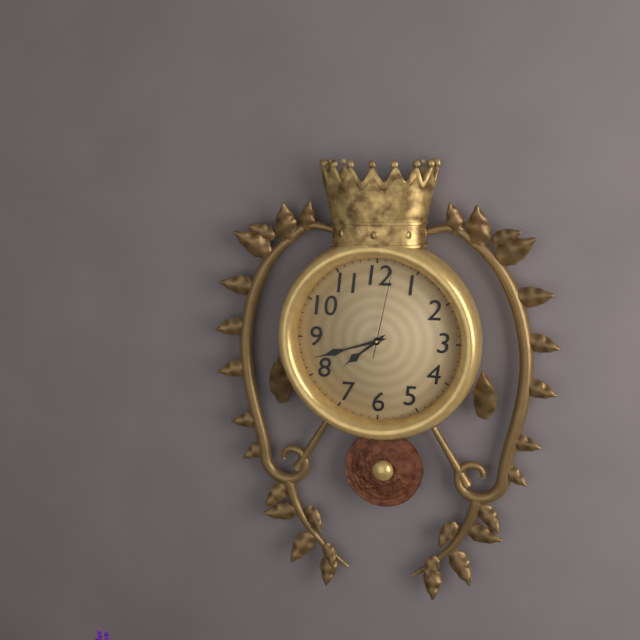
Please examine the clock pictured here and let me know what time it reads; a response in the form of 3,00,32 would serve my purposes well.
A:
7,42,02
